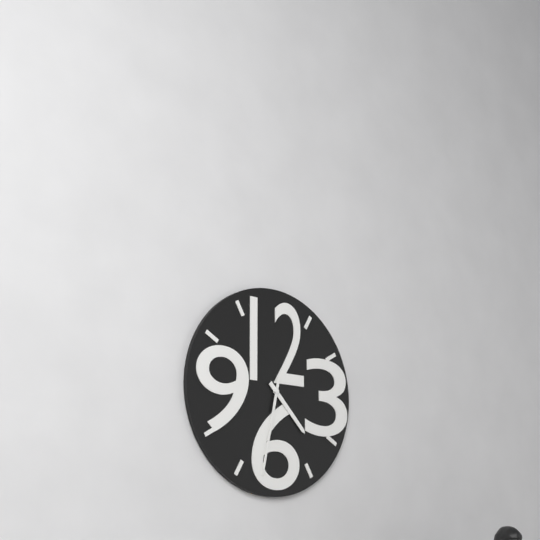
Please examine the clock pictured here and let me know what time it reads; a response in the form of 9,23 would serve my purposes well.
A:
4,32
